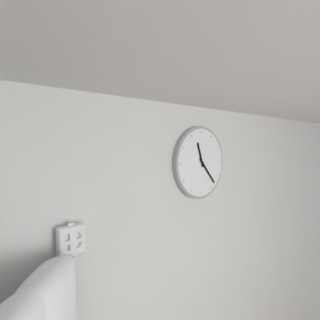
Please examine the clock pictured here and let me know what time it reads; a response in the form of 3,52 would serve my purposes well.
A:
11,23
